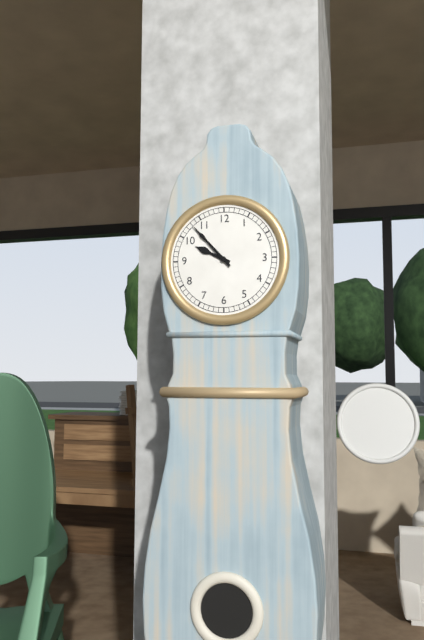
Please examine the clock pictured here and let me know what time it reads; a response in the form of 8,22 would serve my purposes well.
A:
9,53
